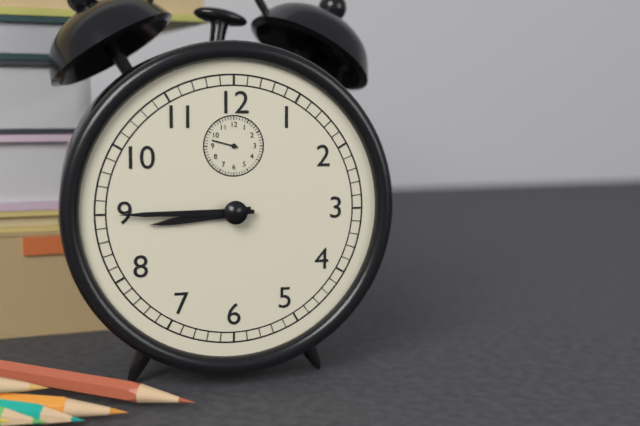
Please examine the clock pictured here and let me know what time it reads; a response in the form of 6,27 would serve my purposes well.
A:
8,45
